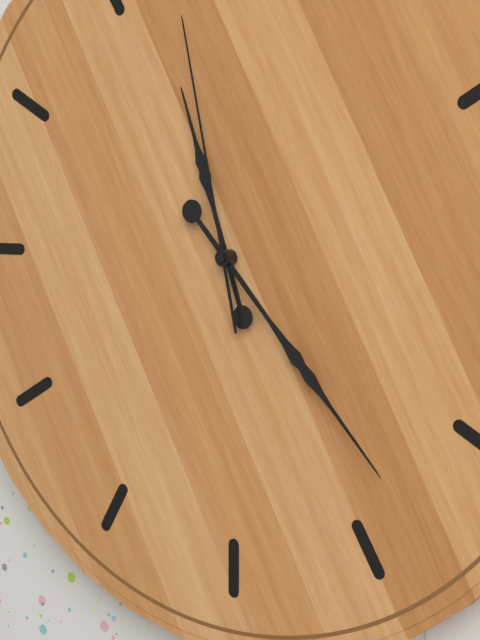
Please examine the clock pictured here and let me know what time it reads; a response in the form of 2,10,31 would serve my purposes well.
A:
11,23,58
